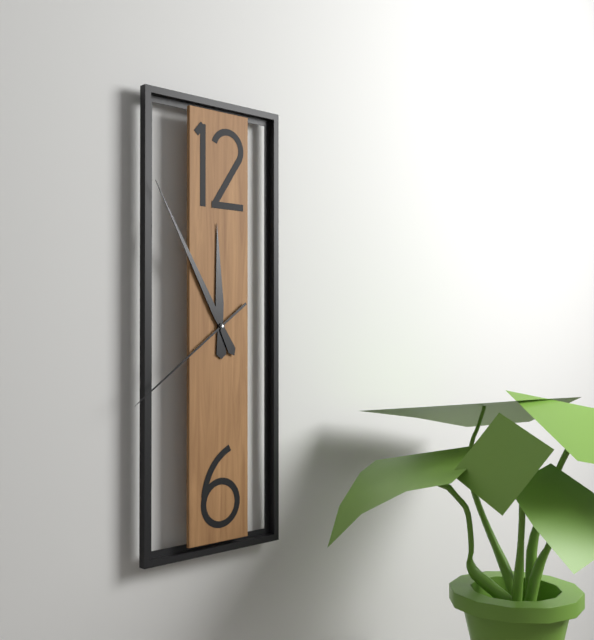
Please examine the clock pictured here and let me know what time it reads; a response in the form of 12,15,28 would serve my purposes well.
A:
11,55,39
